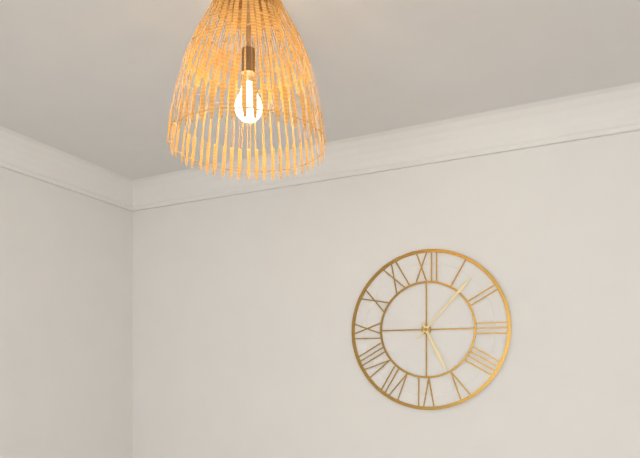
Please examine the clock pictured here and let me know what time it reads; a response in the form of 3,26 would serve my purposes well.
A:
5,07
